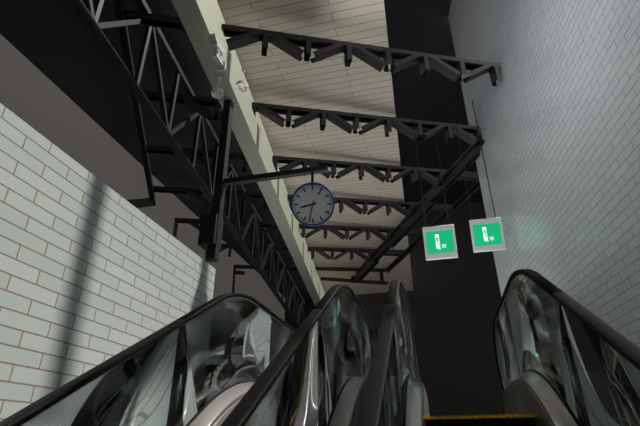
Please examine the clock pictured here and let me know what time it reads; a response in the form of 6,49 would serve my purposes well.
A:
8,32
